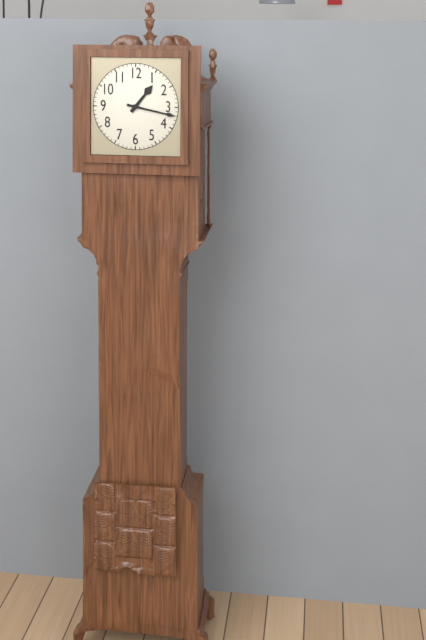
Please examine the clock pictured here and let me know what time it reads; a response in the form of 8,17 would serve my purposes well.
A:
1,17
